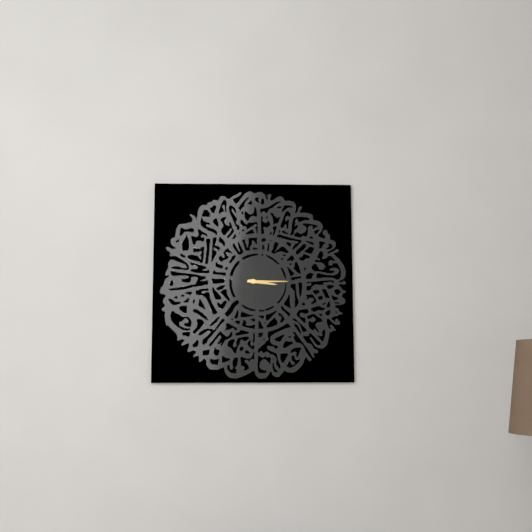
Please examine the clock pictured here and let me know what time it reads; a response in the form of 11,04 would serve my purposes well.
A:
3,15
